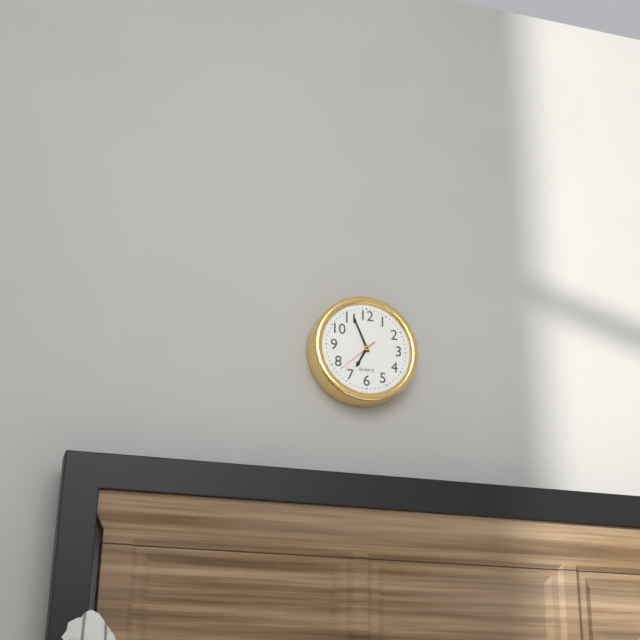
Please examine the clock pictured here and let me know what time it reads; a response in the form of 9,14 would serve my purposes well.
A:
6,56
